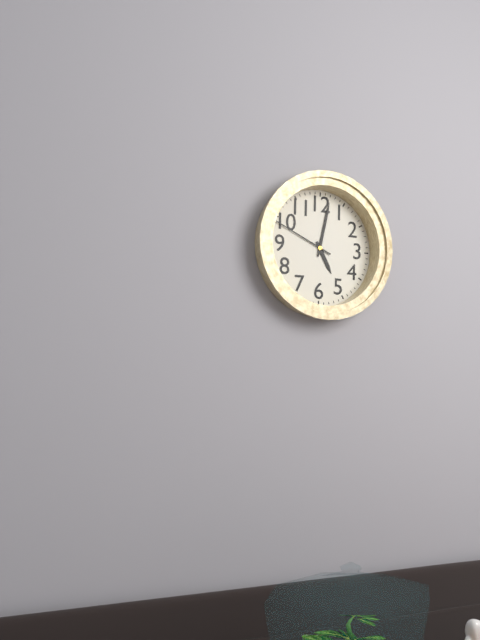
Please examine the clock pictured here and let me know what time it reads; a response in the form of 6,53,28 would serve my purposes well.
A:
5,02,49
